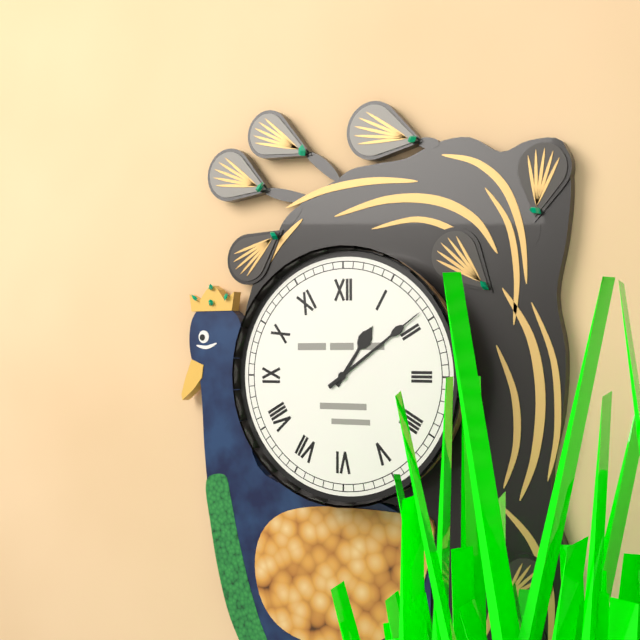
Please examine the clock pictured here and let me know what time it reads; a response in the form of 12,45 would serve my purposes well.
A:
1,09
